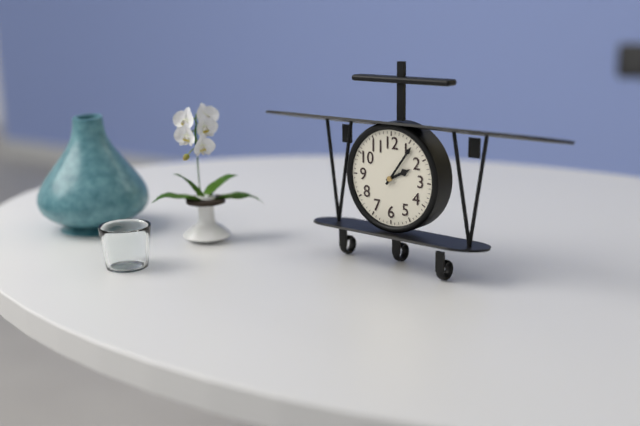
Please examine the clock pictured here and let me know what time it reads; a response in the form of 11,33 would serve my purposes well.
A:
2,06
